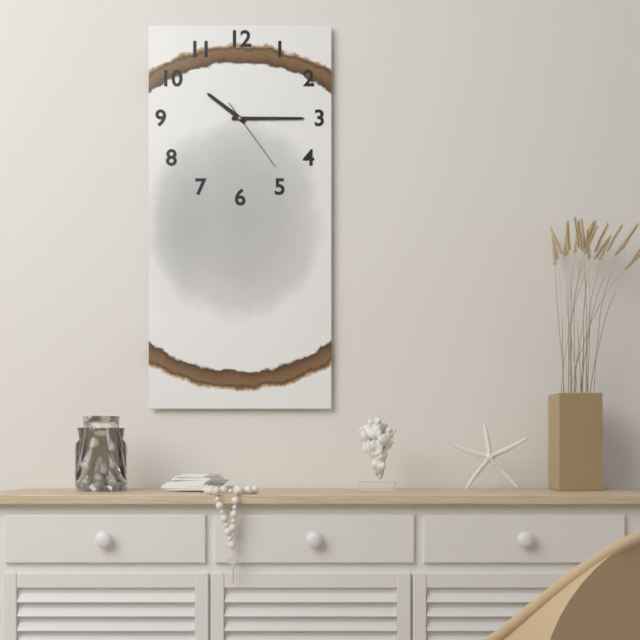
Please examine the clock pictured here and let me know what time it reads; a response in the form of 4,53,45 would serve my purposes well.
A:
10,15,24
